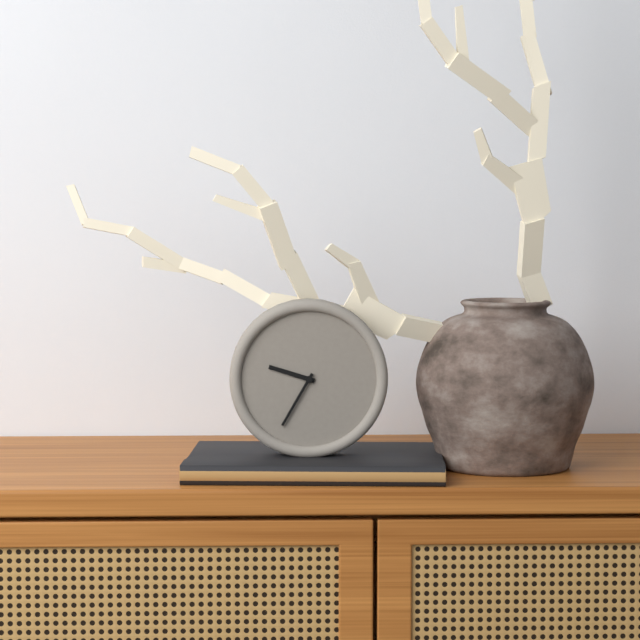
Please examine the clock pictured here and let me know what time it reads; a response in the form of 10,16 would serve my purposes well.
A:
9,35
